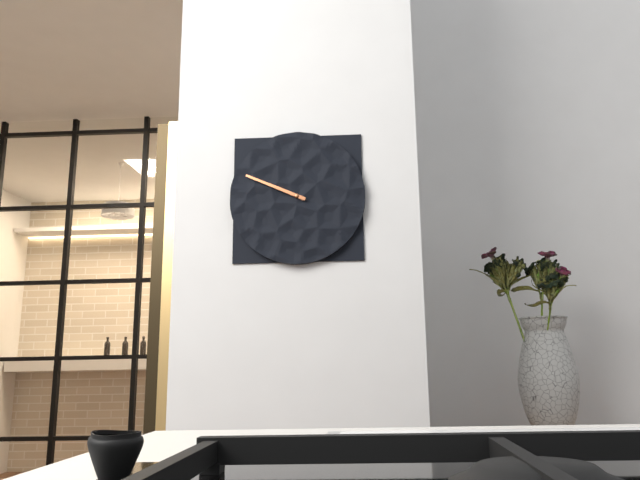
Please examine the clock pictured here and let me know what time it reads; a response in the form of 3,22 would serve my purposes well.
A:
9,49
